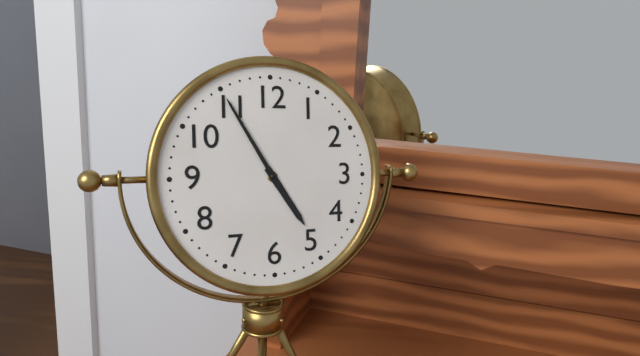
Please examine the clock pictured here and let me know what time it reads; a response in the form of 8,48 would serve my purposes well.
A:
4,55
